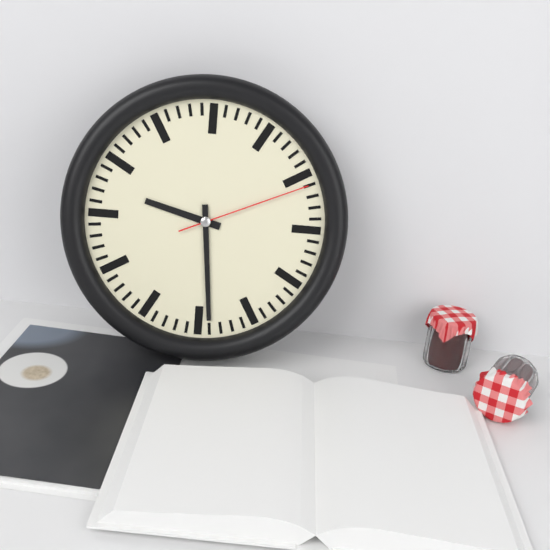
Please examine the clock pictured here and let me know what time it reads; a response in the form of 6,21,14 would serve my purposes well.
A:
9,29,11
